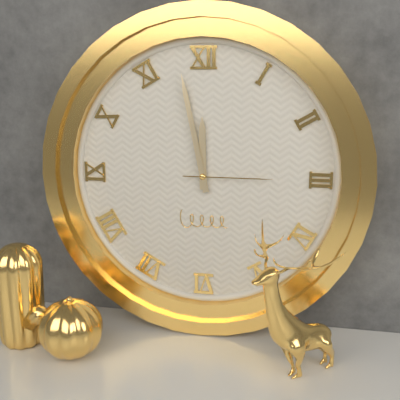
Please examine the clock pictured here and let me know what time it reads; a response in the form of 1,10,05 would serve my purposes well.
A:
11,58,15
